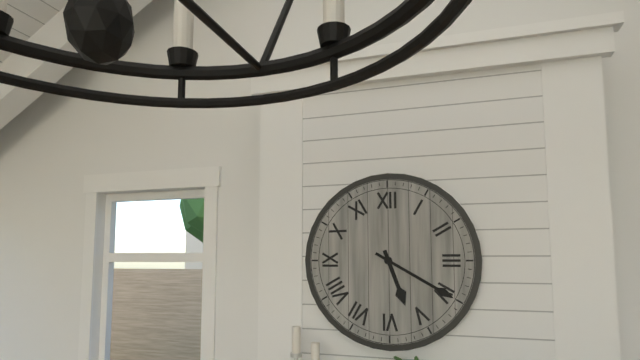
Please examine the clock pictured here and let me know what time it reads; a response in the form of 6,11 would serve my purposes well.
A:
5,20
